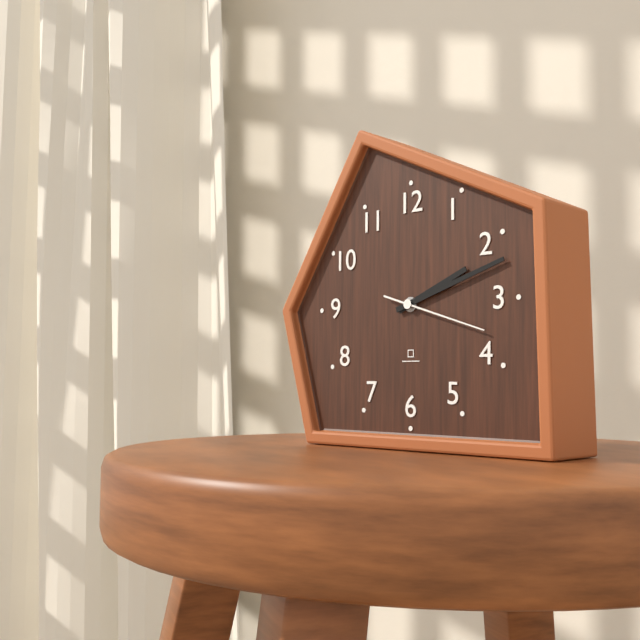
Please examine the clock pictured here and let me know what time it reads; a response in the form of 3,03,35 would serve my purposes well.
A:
2,12,18
